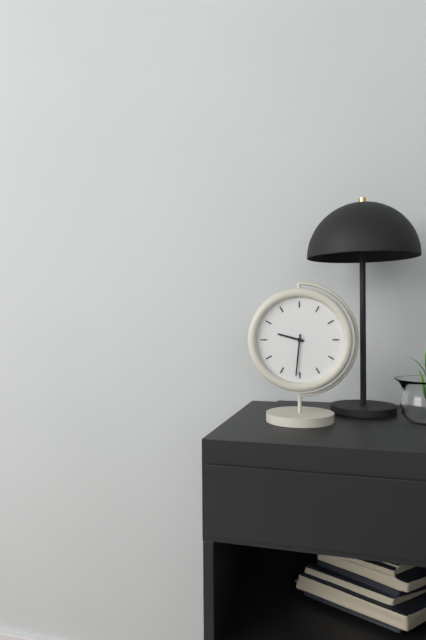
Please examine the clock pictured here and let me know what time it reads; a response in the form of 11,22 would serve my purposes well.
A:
9,31
